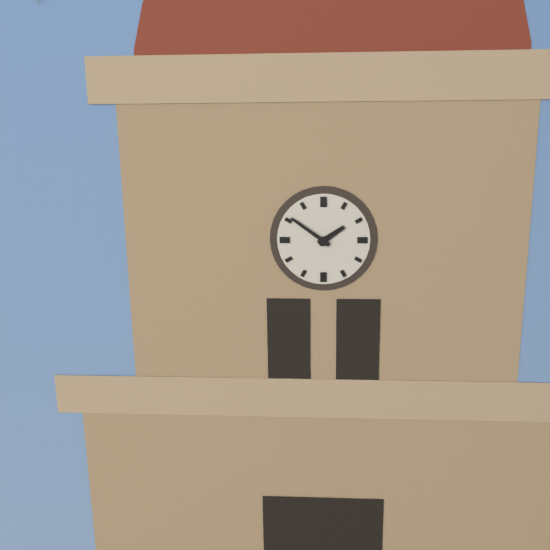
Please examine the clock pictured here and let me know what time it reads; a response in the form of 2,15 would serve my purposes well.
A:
1,51
